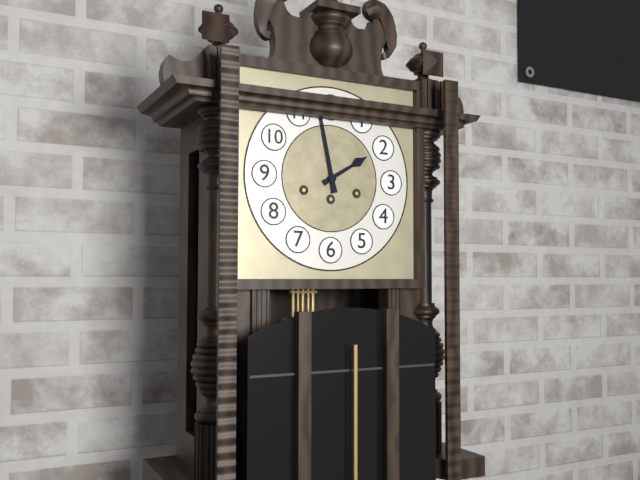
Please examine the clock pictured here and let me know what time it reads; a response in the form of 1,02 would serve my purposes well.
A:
1,58
